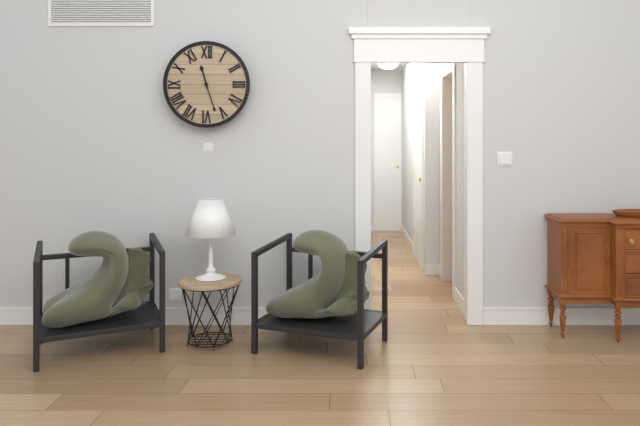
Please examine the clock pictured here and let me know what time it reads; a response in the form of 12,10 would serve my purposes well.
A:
11,27
